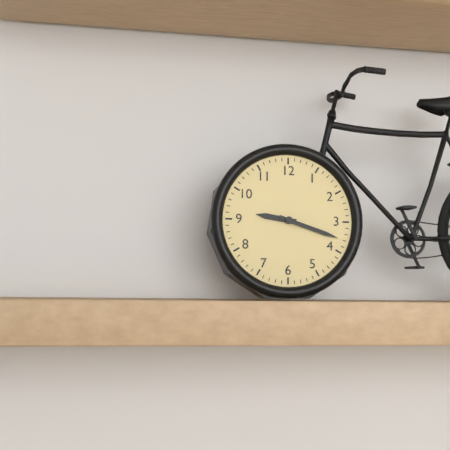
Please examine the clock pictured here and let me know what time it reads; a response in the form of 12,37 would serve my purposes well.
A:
9,18
